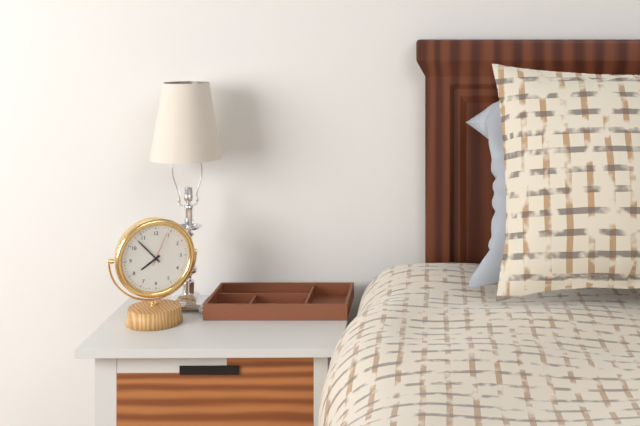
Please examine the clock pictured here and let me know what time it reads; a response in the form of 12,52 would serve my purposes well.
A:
7,53
